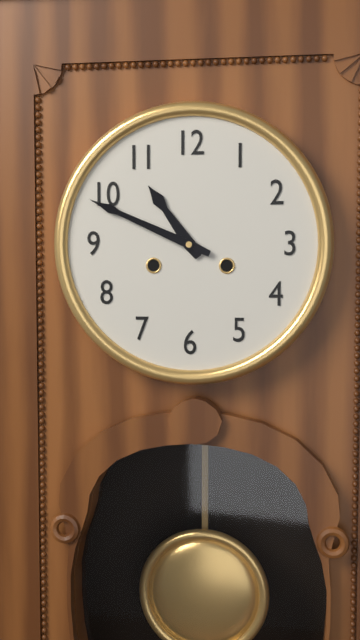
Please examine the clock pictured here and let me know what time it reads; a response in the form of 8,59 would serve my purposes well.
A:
10,49
